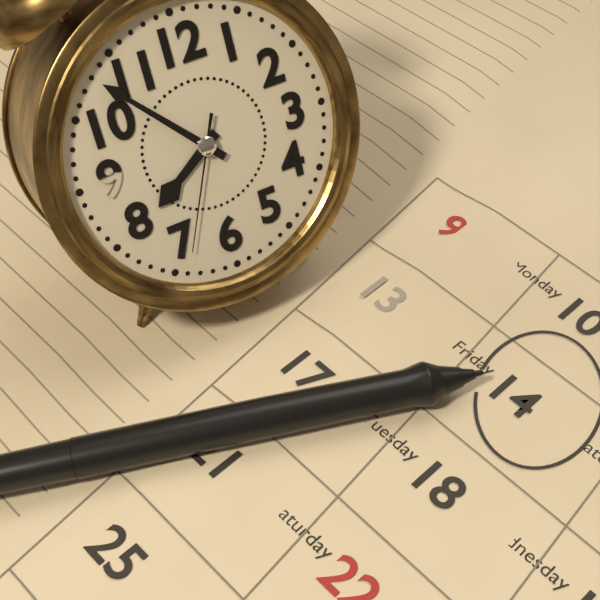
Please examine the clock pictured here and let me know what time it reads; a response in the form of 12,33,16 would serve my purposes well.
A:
7,53,34
